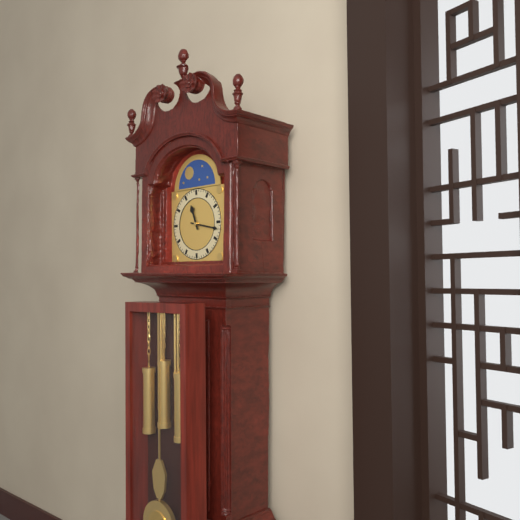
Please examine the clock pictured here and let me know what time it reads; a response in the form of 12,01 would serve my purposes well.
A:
11,17
